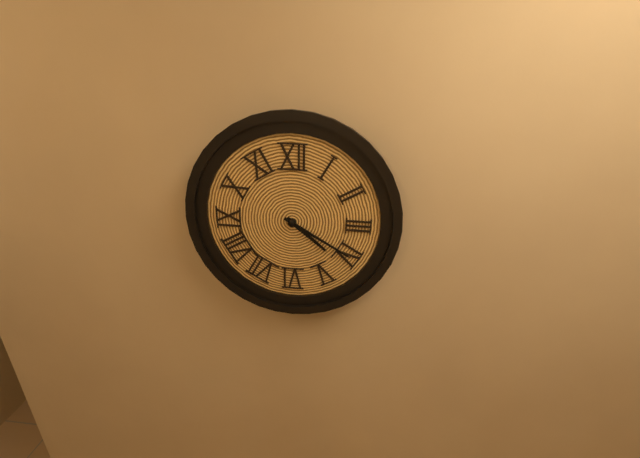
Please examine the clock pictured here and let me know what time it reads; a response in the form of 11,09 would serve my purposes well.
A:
4,20
